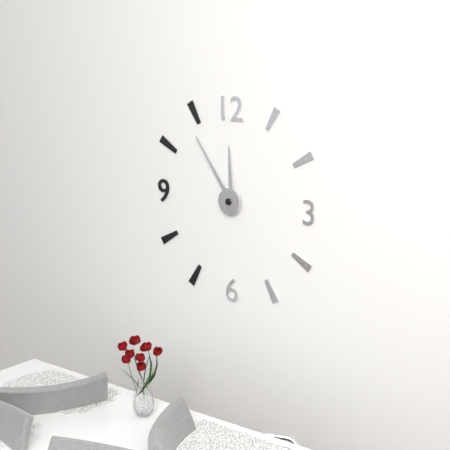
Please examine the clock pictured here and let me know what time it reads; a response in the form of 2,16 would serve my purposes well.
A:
11,54
